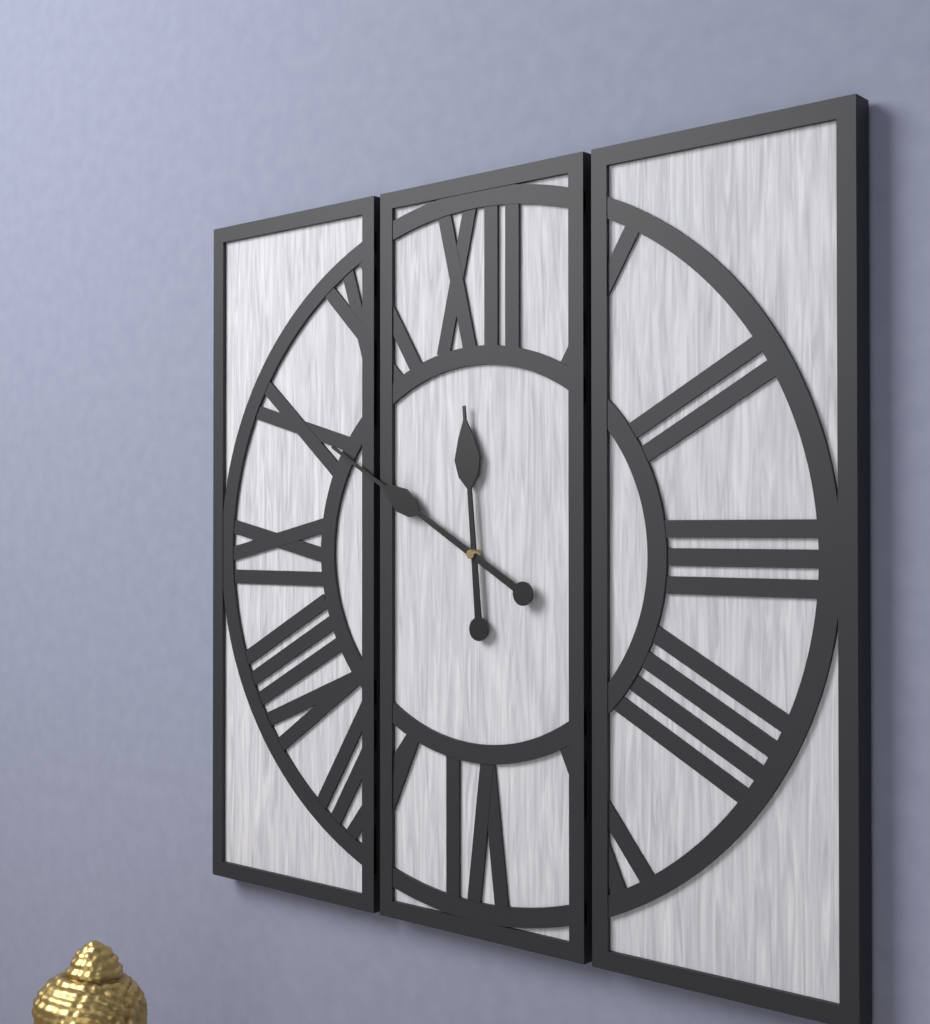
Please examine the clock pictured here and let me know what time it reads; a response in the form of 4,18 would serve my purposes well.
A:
11,50
